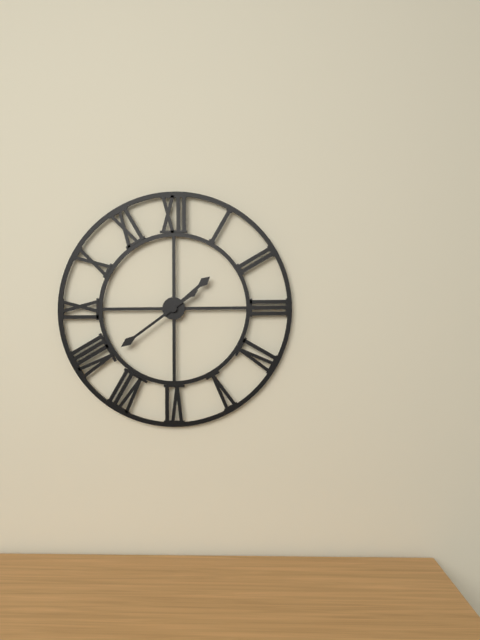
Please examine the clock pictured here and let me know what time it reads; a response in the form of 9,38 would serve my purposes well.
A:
1,39
